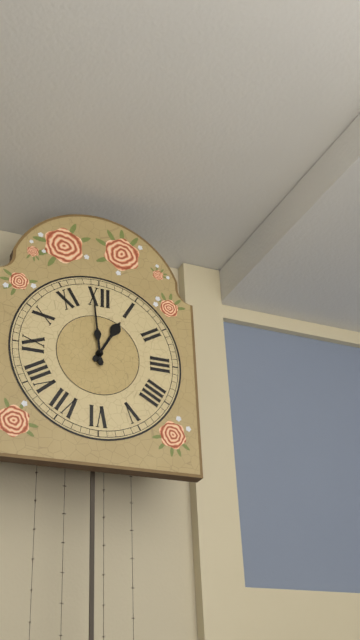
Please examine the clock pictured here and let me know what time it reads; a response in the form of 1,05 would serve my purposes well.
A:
12,59
